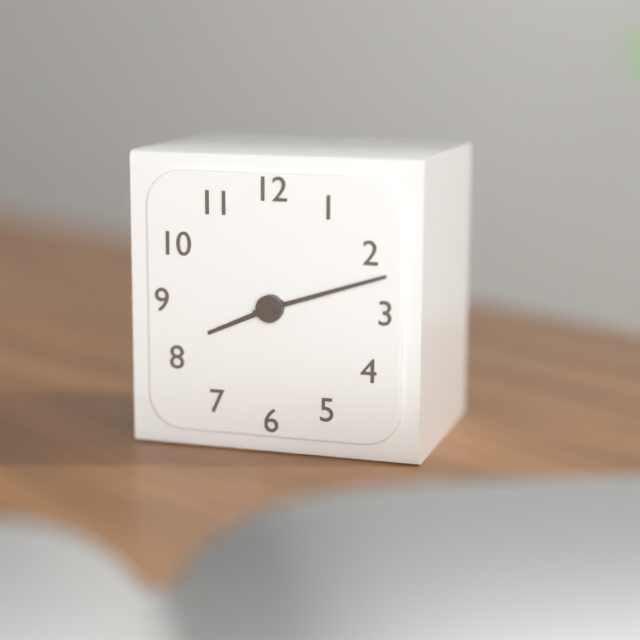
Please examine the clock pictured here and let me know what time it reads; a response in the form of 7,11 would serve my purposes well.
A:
8,12
